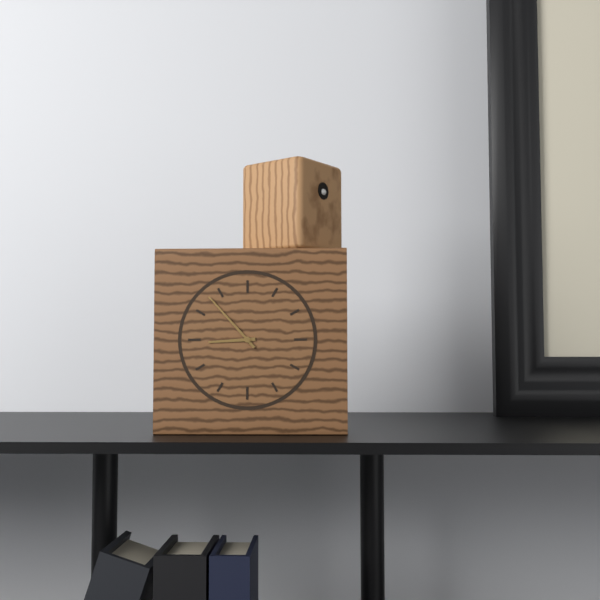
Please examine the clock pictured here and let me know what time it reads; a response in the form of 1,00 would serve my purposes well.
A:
8,53
